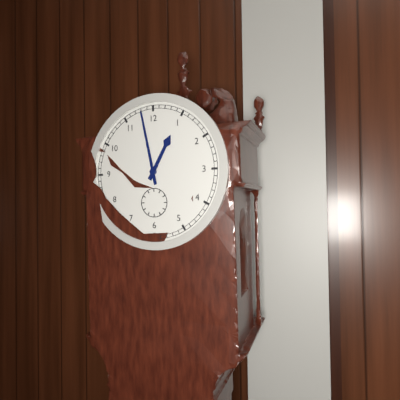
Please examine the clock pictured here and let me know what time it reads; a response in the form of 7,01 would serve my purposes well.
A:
12,58
